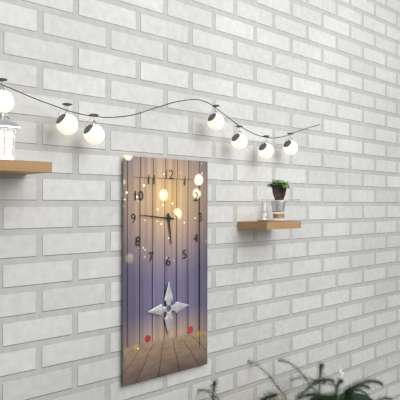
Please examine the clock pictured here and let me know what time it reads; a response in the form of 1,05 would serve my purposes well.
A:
5,46
